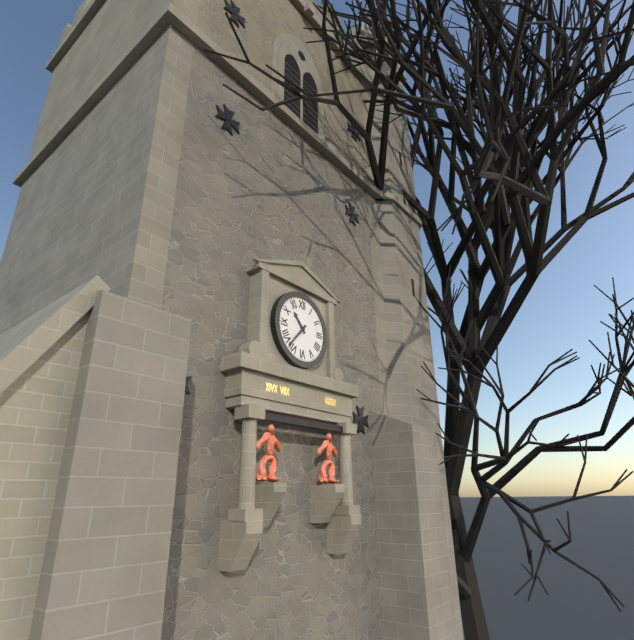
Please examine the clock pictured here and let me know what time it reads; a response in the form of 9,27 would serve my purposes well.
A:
10,37
